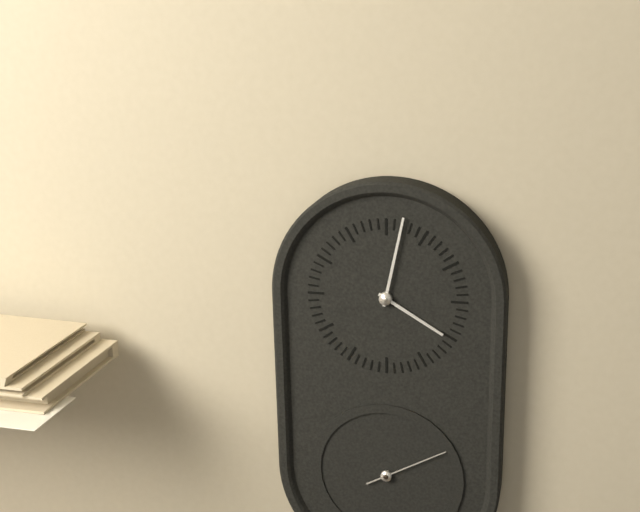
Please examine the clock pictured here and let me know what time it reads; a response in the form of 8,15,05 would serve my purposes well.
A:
4,02,10
